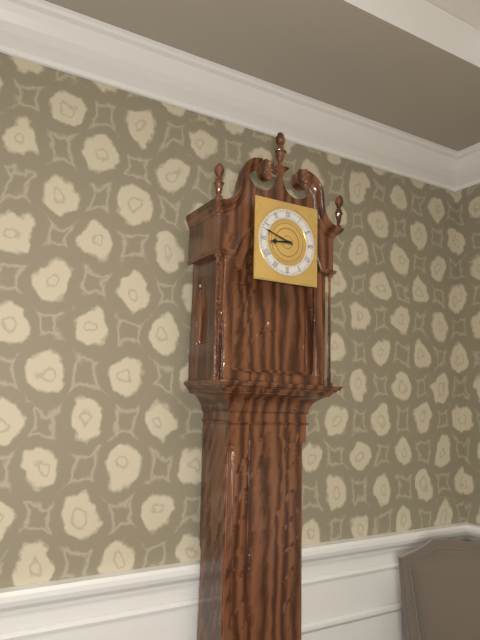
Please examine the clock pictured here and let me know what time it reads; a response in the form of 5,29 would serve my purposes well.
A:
8,48
